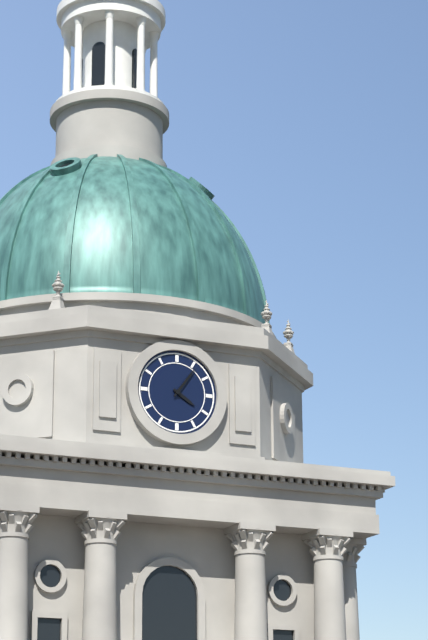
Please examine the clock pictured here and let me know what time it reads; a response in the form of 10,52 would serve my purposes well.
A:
4,06
